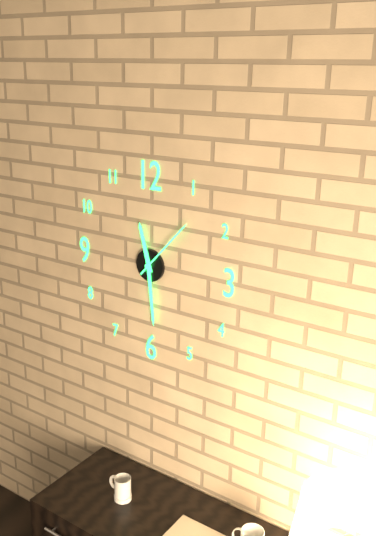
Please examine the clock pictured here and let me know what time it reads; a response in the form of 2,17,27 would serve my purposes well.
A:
11,29,07
